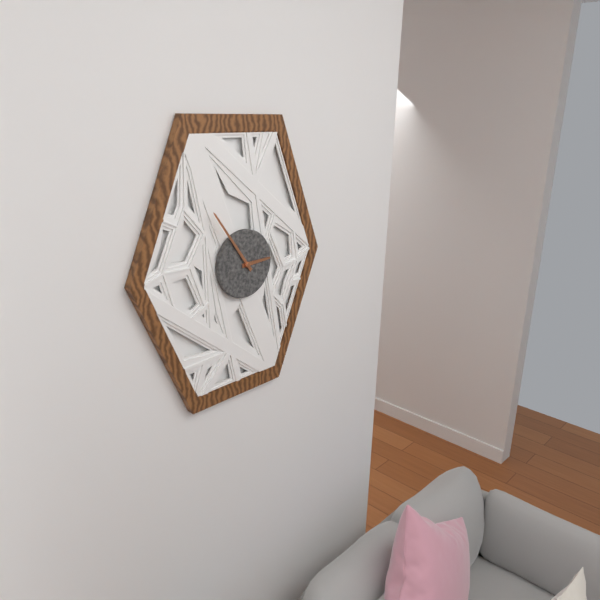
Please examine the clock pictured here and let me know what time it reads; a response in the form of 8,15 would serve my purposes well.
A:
2,54
